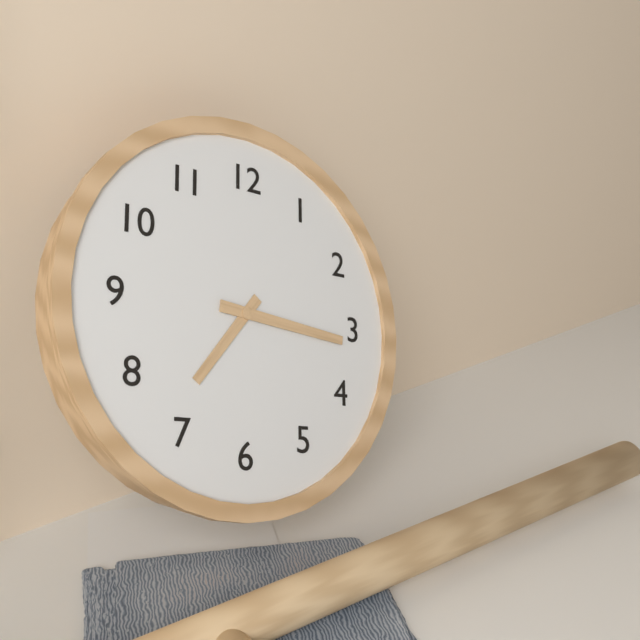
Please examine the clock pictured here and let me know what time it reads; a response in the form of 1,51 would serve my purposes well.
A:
7,16
